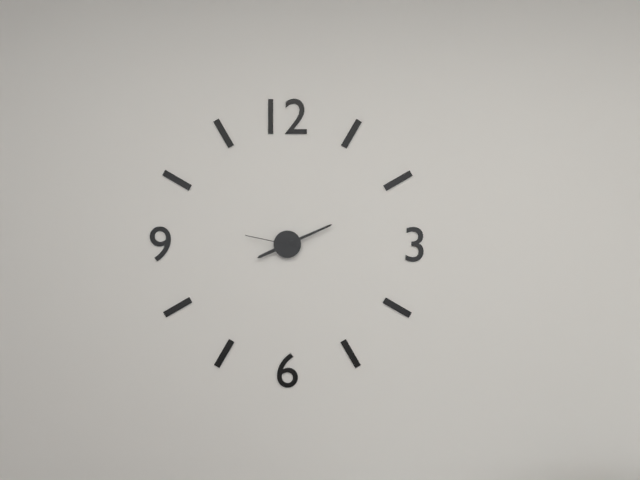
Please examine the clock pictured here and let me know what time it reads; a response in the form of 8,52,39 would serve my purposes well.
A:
8,11,47
